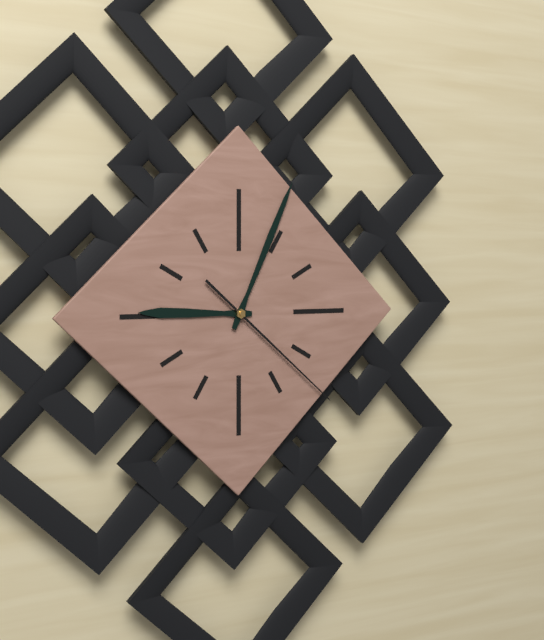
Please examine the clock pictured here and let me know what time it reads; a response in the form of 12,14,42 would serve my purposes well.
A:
9,04,22
